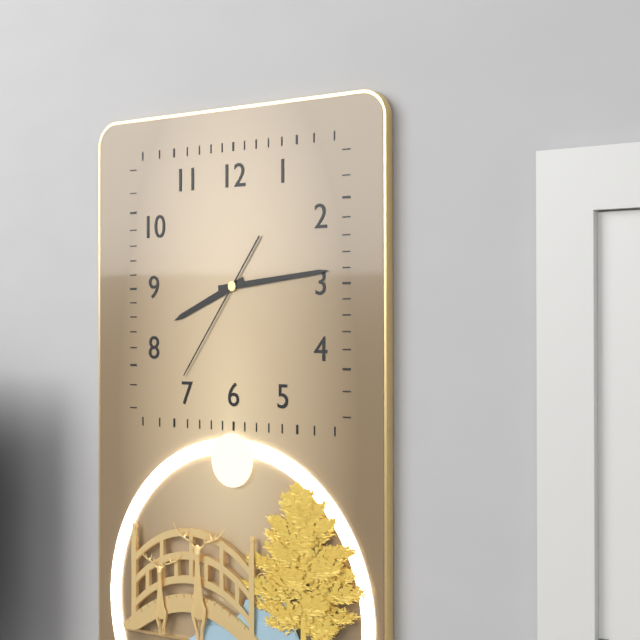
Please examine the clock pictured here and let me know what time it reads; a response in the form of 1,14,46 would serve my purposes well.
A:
8,14,36
